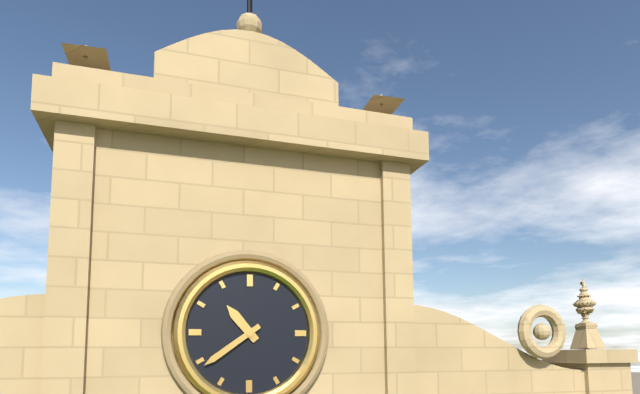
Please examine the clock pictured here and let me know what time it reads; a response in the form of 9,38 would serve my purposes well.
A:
10,39
